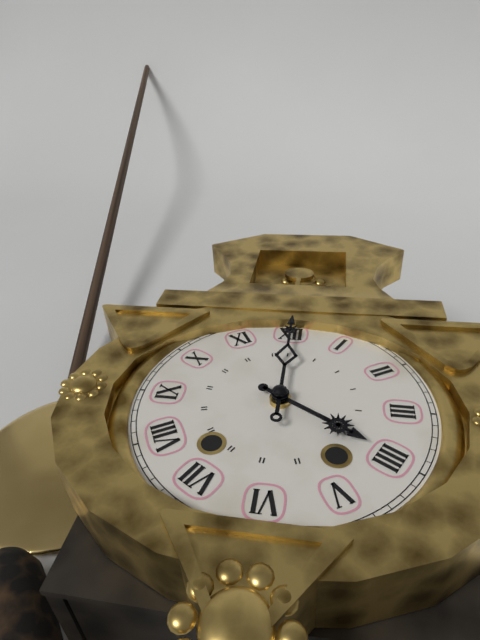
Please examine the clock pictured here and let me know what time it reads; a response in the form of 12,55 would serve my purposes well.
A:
4,00
